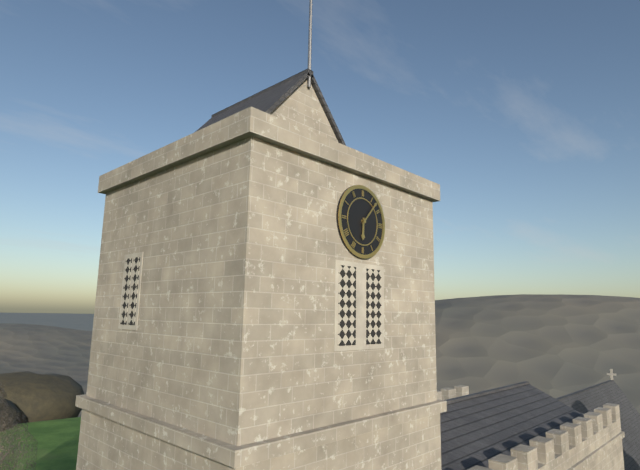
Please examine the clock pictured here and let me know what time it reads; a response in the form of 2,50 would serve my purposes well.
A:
6,07
